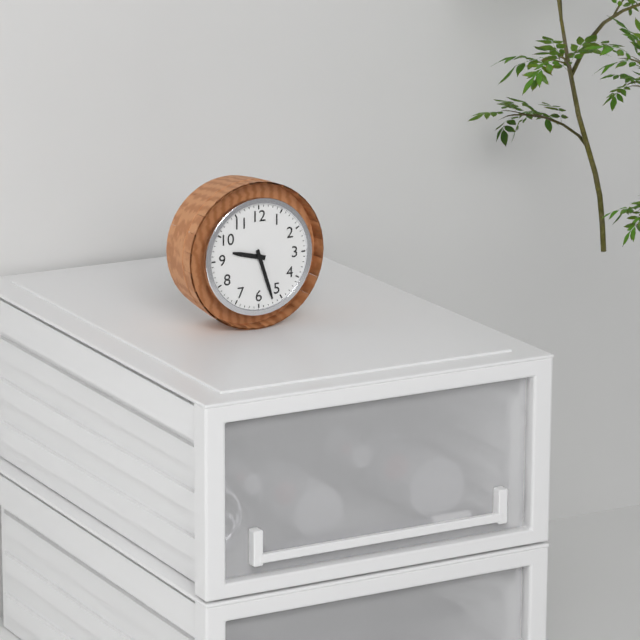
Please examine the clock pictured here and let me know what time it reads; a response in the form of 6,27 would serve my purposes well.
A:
9,27
